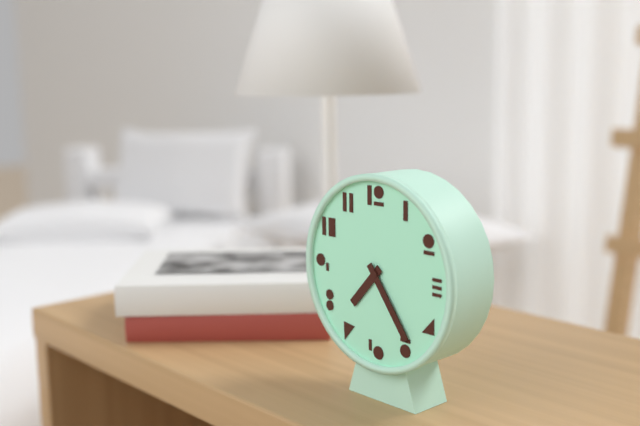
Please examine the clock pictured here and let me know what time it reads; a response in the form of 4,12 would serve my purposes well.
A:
7,24
